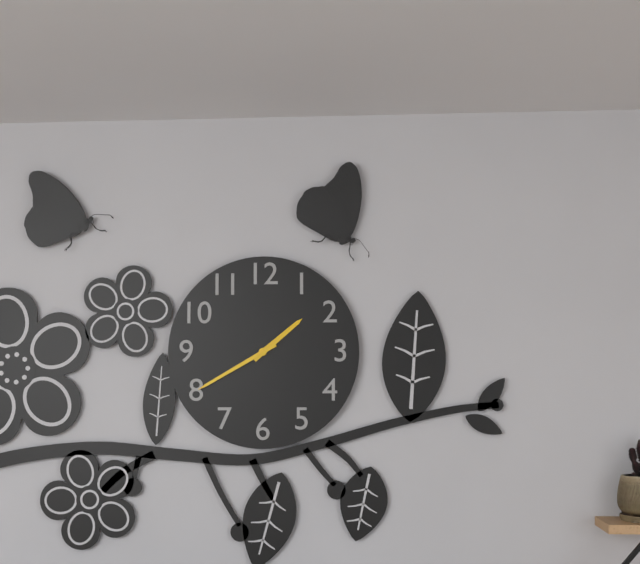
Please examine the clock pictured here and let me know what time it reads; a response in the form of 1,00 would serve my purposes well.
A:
1,40
